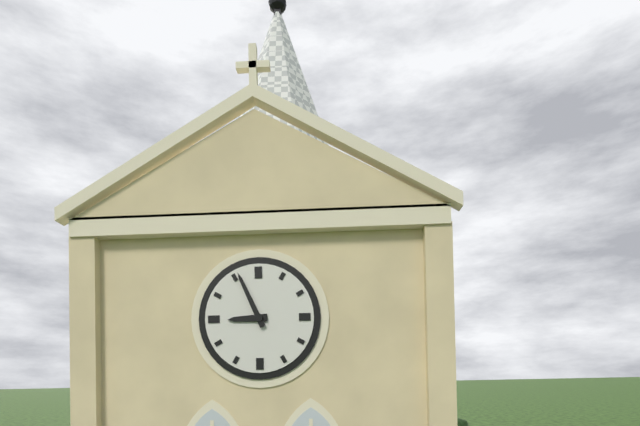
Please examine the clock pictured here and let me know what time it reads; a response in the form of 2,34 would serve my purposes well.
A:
8,56
